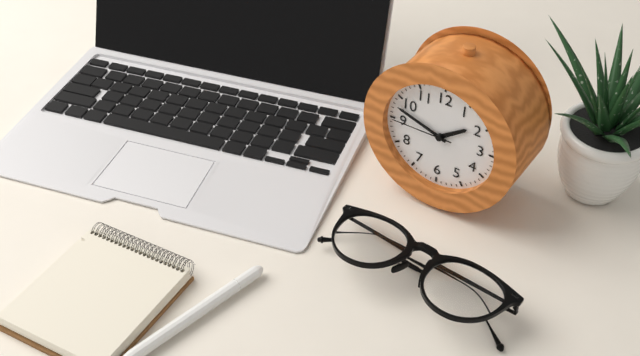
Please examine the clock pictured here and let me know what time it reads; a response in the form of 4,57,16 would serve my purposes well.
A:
1,48,45
